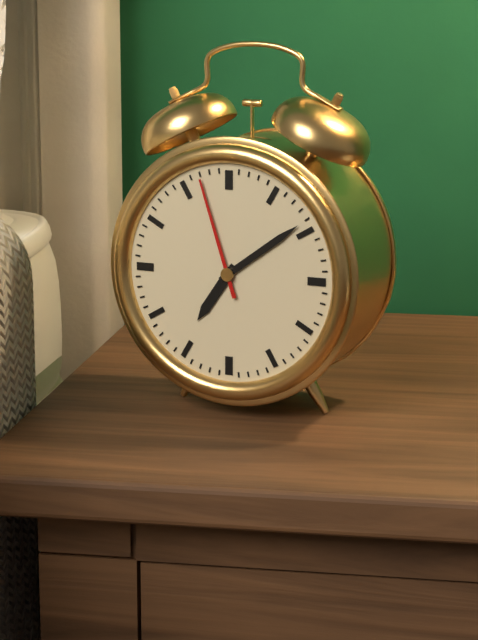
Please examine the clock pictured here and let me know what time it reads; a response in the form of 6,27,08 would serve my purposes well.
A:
7,09,57
